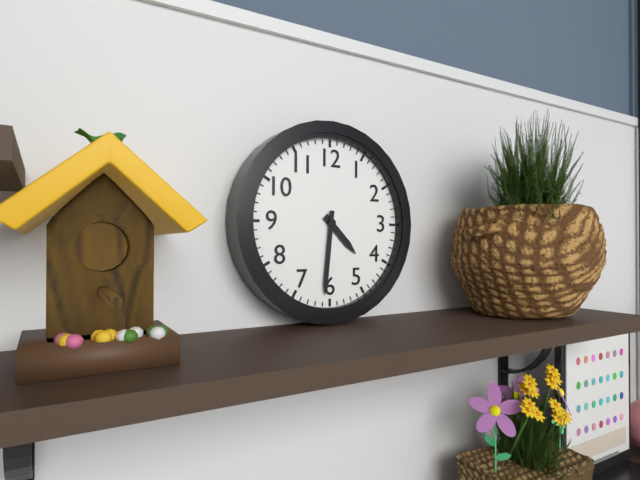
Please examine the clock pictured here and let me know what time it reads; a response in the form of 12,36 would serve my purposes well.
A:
4,31
